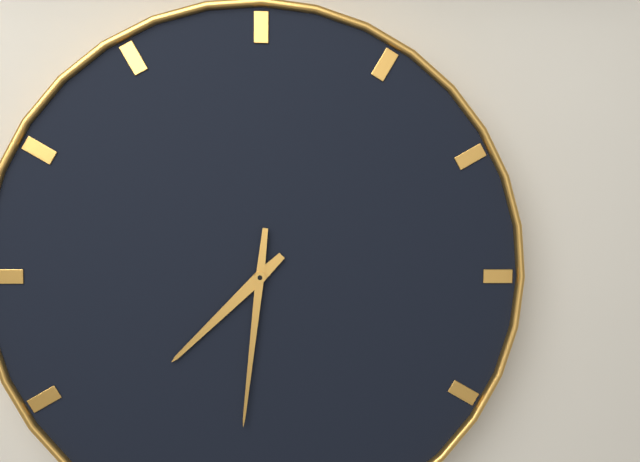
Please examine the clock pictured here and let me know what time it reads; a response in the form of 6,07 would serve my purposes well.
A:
7,31
